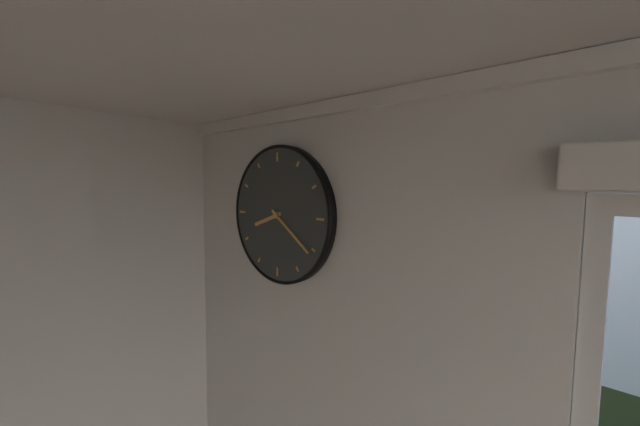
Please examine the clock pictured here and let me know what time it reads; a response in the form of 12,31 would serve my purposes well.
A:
8,21
